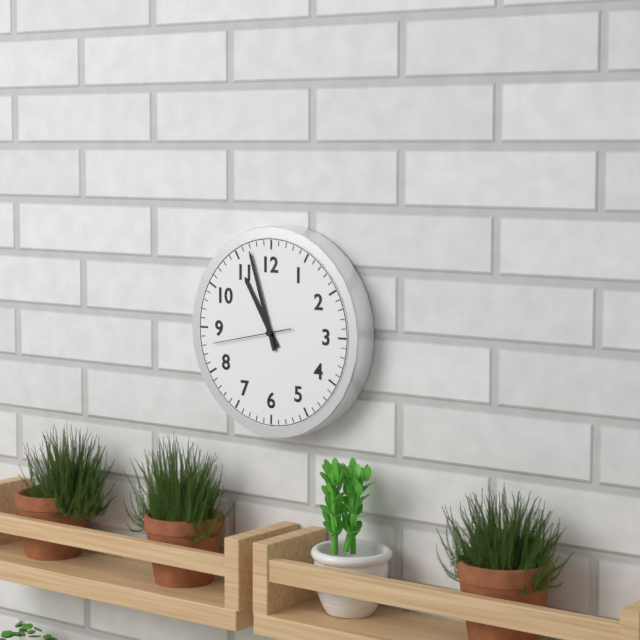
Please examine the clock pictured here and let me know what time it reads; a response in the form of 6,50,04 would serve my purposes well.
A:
10,57,43
